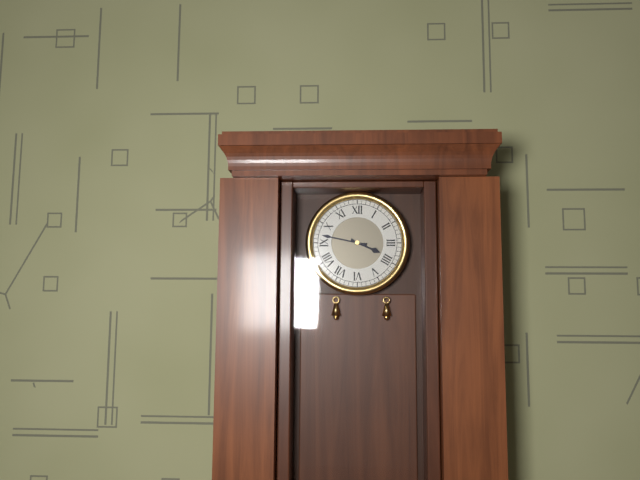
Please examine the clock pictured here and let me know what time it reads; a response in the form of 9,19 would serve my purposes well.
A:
3,47
